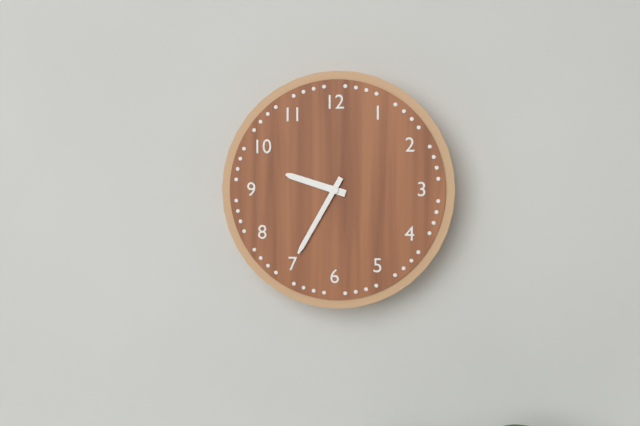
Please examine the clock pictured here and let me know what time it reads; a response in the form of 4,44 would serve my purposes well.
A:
9,35
